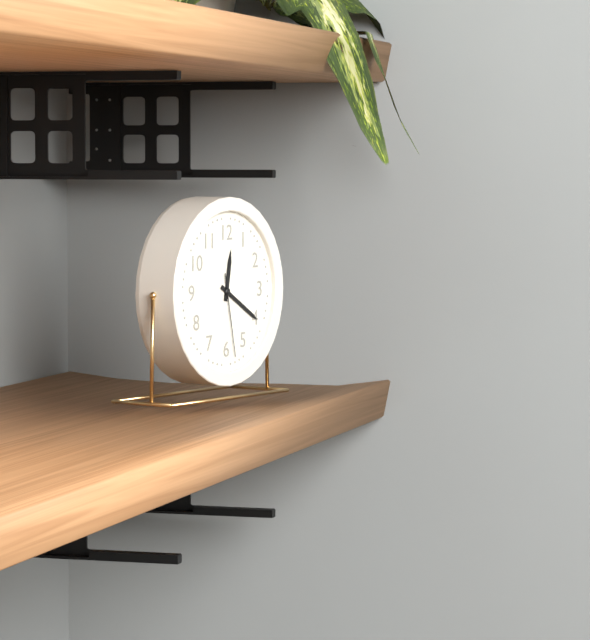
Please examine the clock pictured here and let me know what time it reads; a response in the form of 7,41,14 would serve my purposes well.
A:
12,20,28
